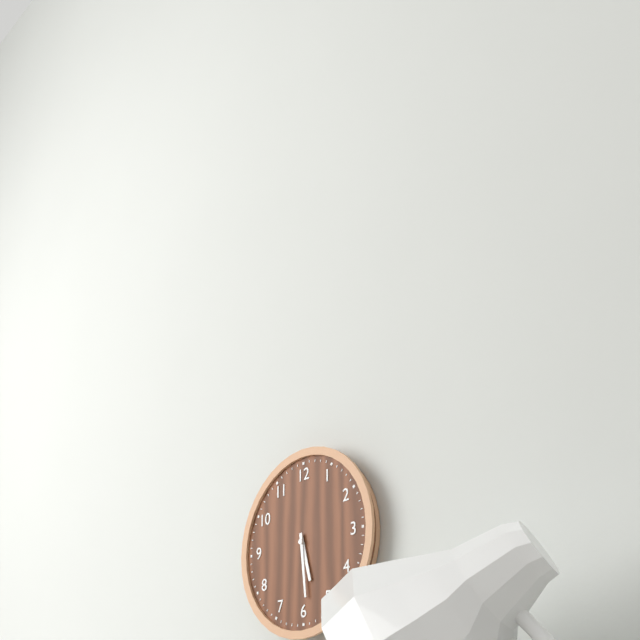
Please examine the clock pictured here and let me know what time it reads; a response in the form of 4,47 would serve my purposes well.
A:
5,29
